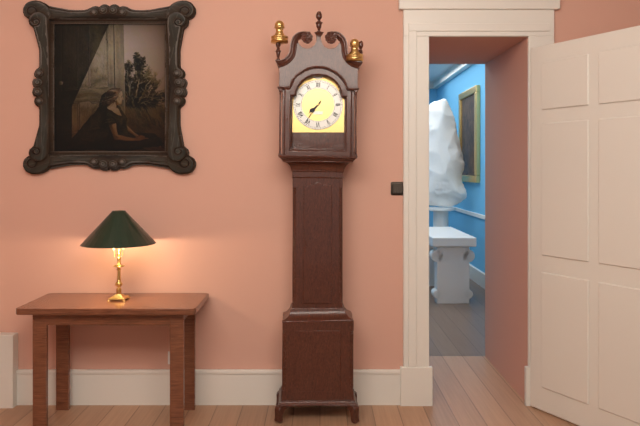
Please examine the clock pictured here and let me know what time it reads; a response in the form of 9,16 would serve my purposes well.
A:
7,36
